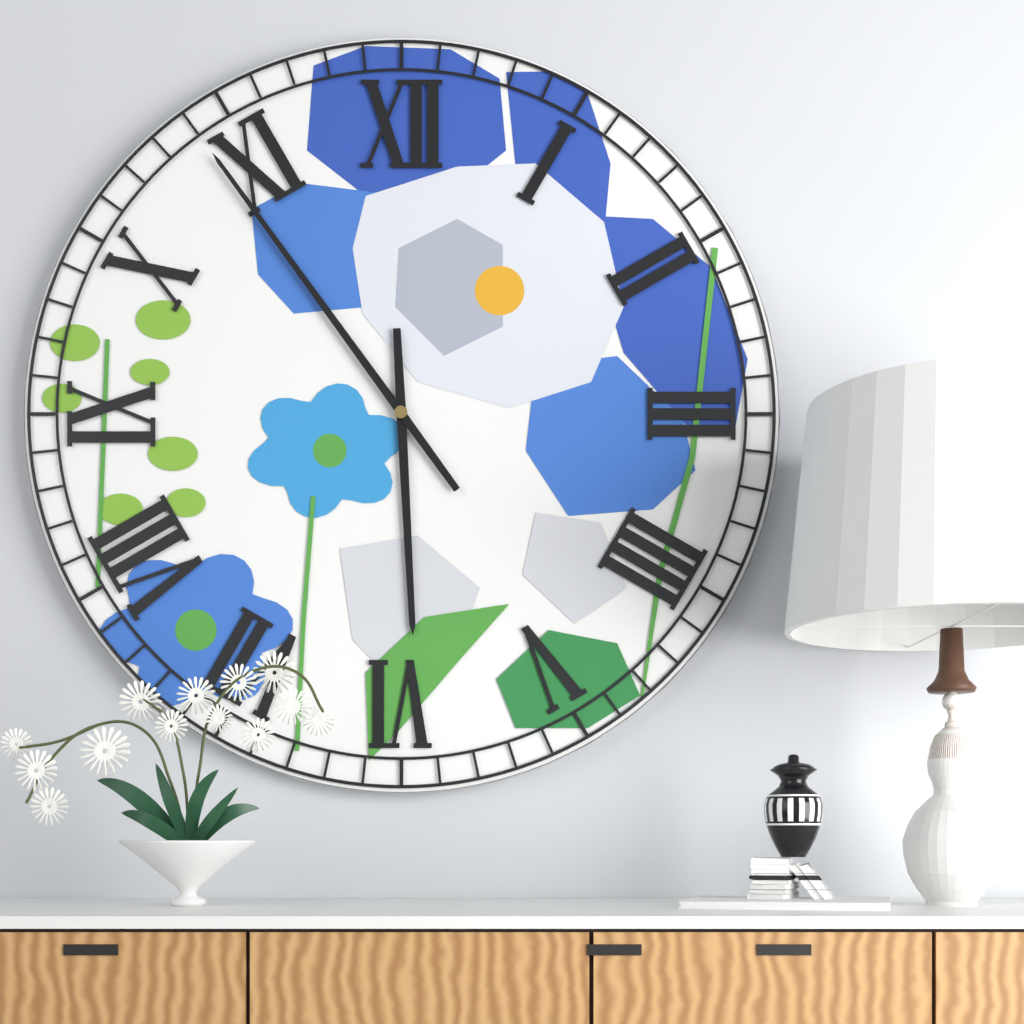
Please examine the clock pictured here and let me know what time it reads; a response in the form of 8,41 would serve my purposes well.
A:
5,54
